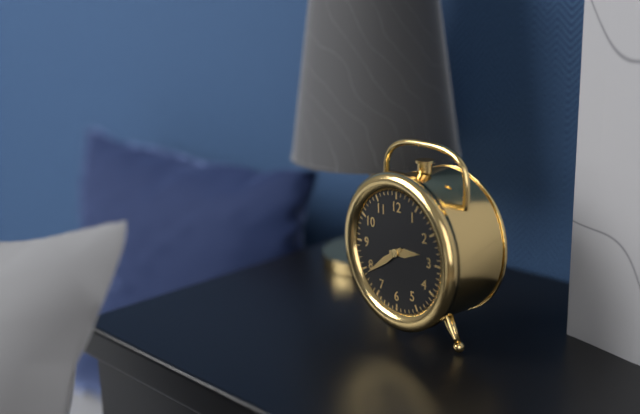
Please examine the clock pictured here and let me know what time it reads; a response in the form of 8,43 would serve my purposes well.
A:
2,39
